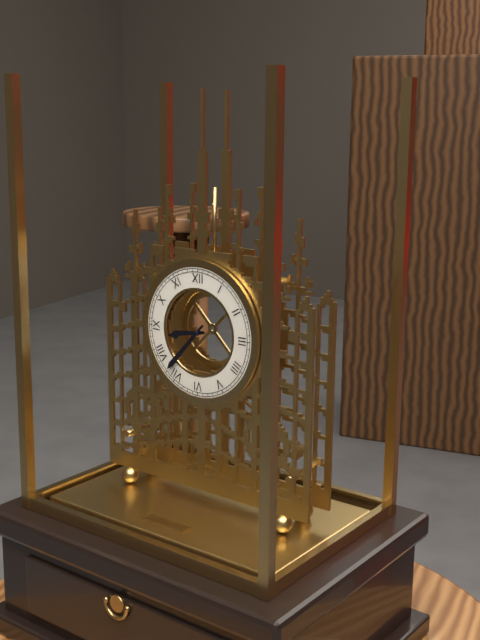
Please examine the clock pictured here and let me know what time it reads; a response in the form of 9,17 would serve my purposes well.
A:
8,37
